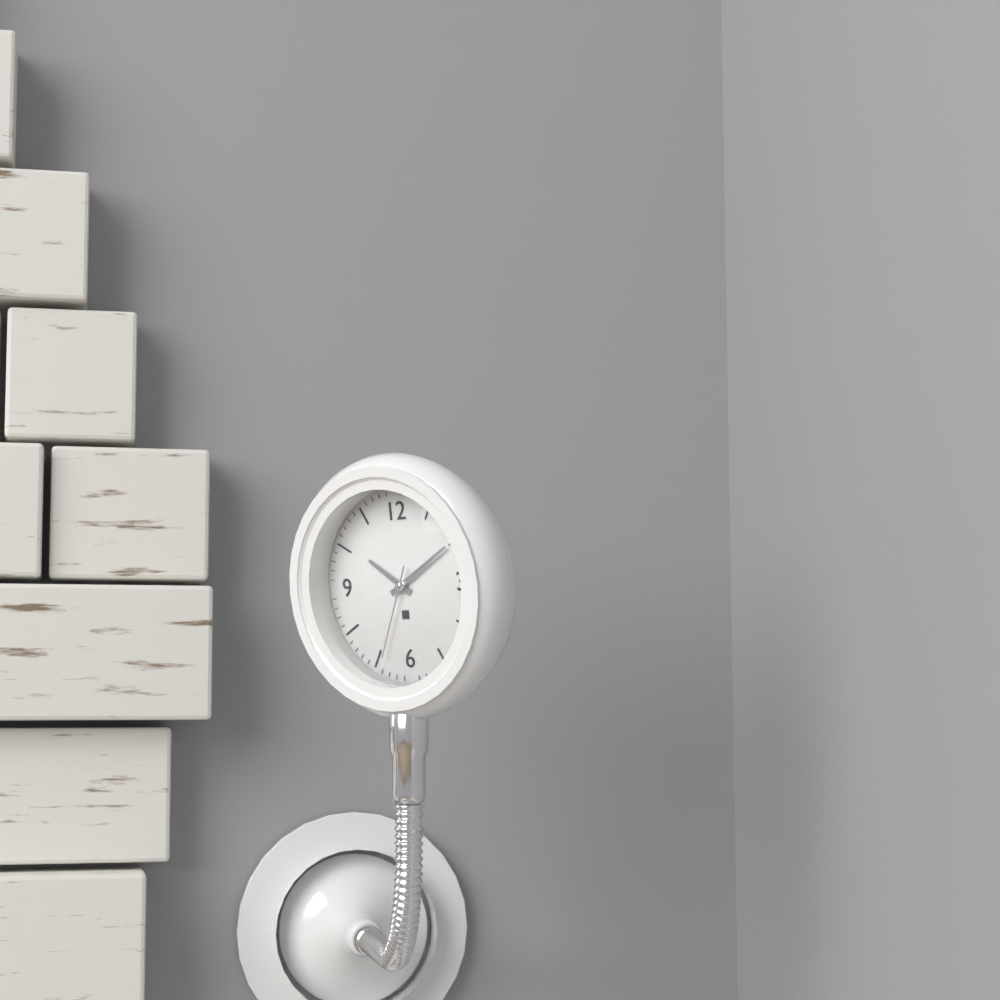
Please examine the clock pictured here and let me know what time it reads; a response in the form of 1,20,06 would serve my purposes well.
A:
10,10,34
